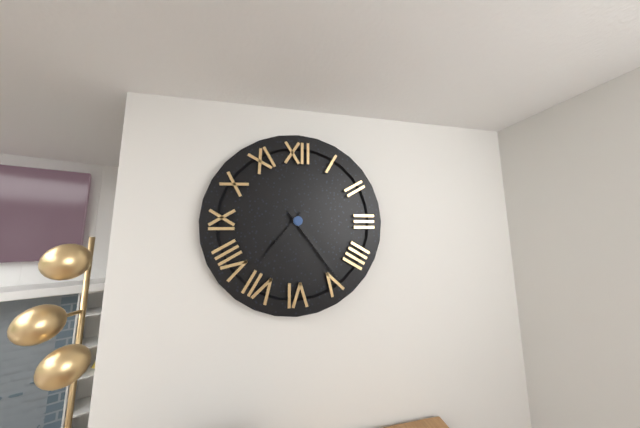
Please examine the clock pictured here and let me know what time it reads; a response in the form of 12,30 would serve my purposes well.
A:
7,24
